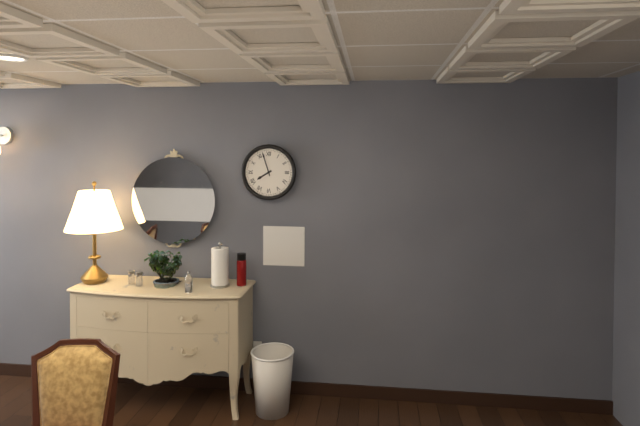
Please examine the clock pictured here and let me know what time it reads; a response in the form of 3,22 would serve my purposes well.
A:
7,57
